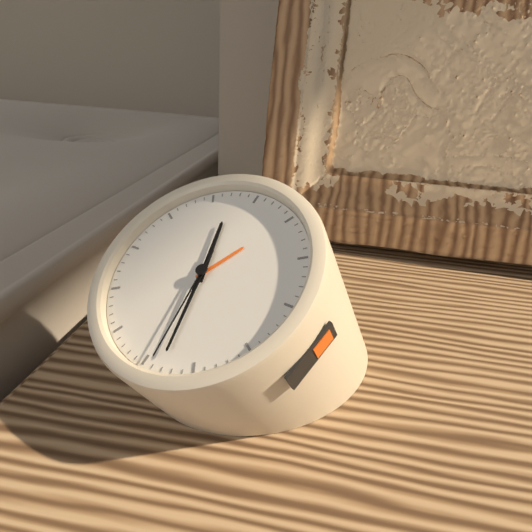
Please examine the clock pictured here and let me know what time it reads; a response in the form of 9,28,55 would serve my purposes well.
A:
11,28,29
